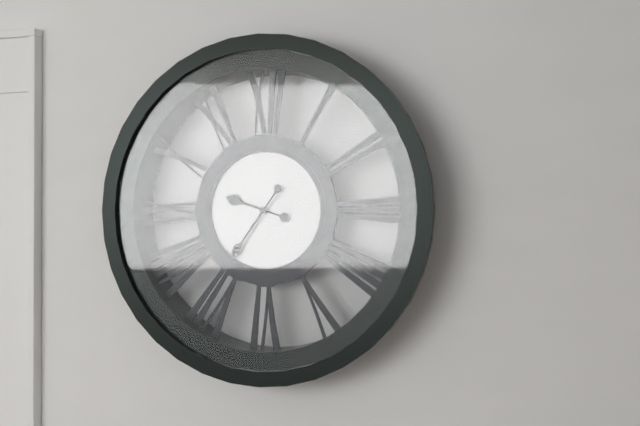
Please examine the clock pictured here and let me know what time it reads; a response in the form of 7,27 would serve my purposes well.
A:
9,36
